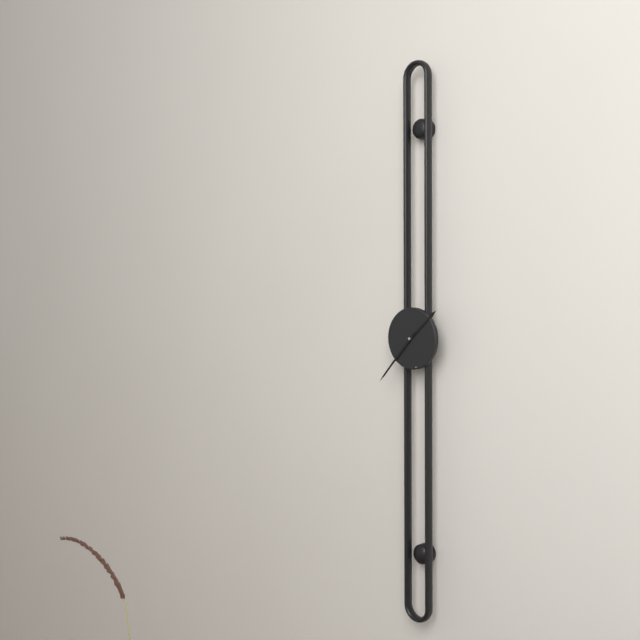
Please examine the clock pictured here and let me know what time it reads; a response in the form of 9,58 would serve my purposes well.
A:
1,37
